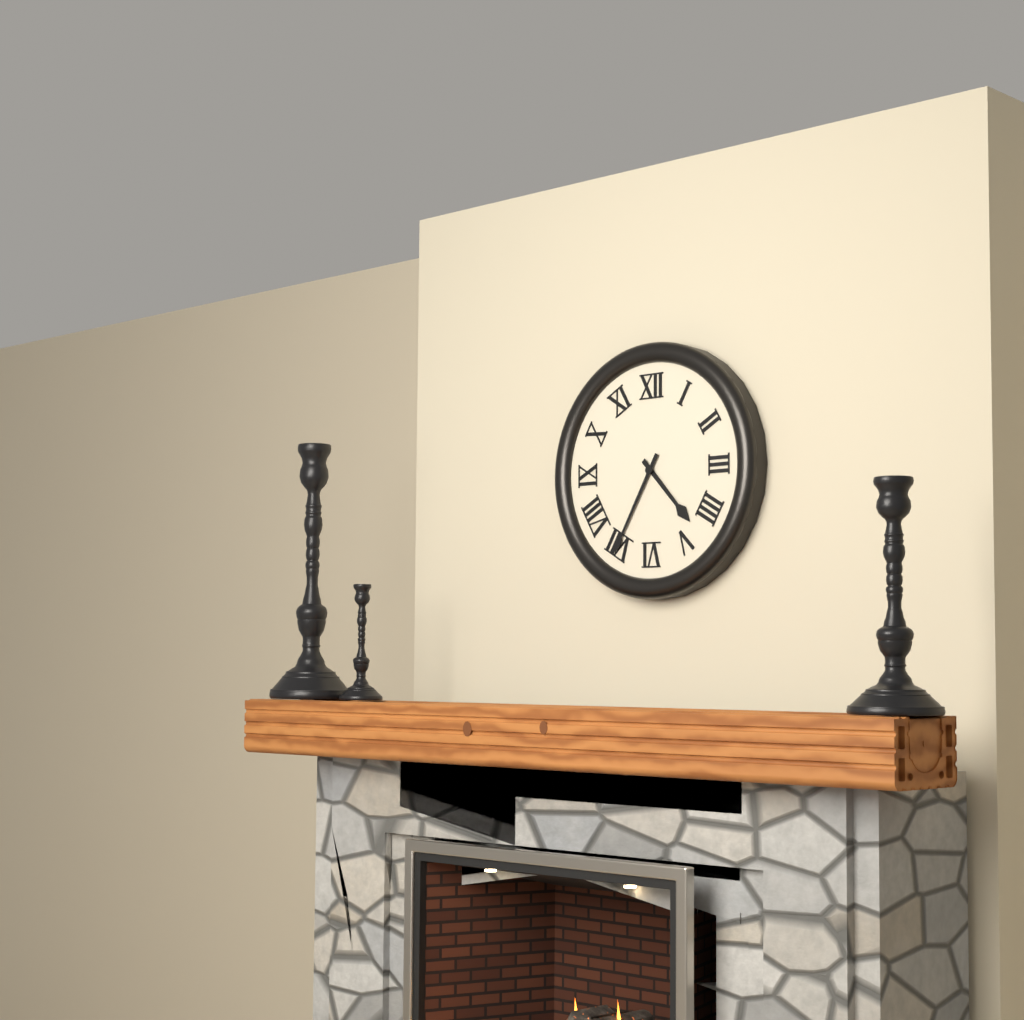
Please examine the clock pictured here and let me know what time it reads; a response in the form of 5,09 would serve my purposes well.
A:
4,35
